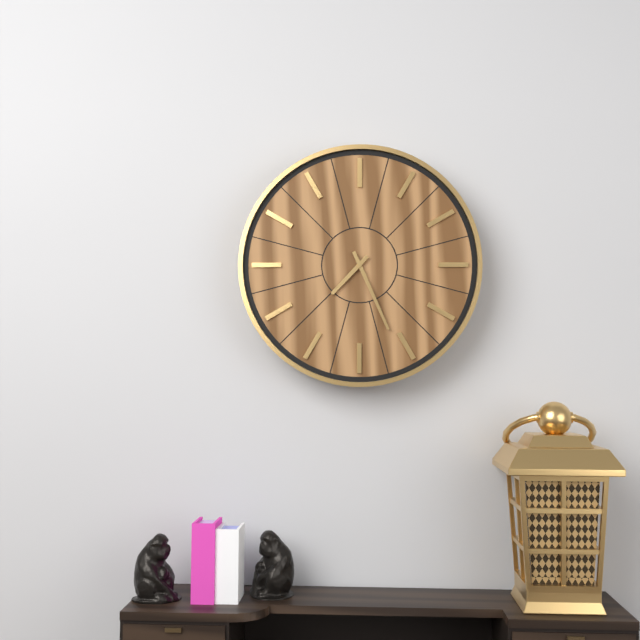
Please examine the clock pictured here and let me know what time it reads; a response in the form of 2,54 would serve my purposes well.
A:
7,26
